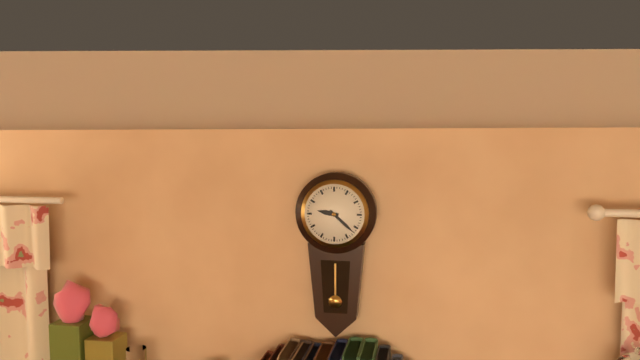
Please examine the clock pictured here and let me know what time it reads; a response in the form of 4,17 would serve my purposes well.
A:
9,22
